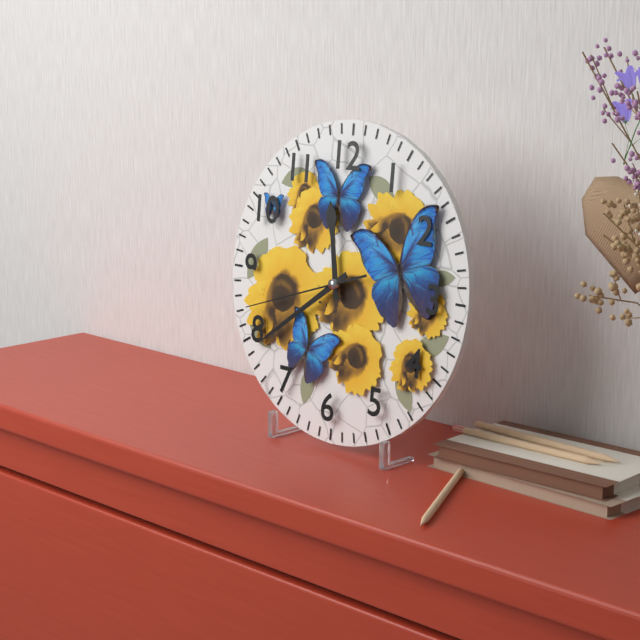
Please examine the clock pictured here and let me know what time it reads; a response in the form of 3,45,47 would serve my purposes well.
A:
11,39,42
